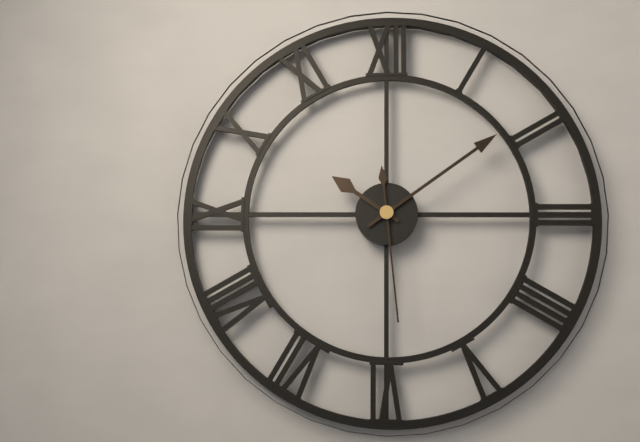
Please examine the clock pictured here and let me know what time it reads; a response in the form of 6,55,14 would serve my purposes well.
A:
10,09,29
